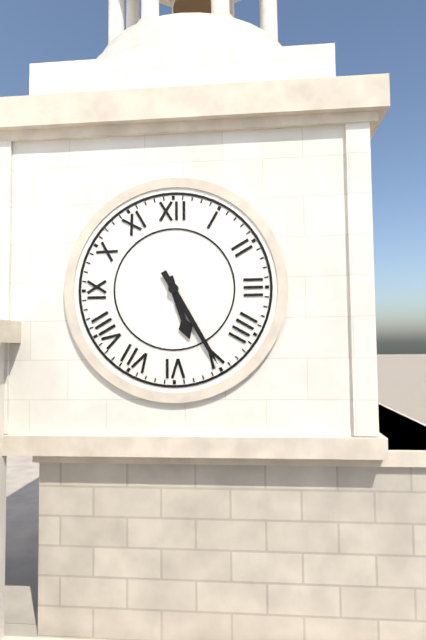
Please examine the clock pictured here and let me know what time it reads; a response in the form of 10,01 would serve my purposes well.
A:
5,25
